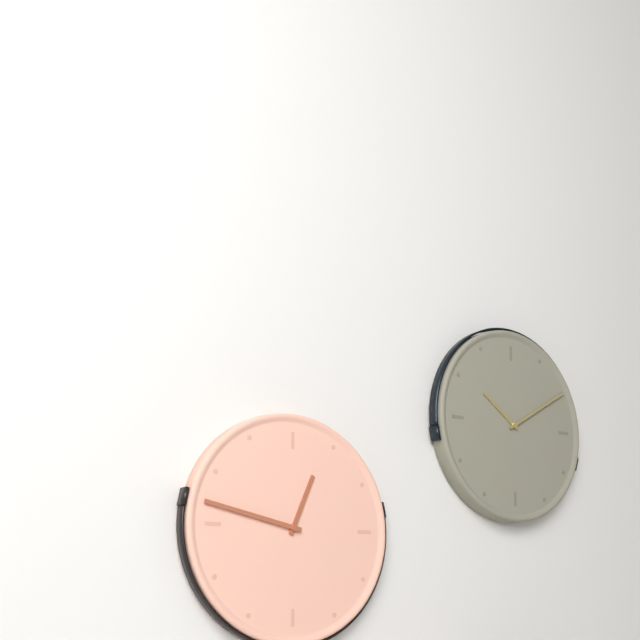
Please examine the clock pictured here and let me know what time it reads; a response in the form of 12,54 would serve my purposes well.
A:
12,47
